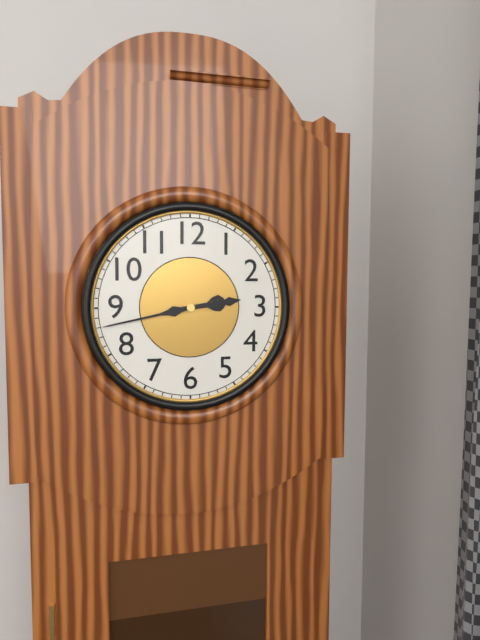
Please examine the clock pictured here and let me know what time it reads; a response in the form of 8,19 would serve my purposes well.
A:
2,43
